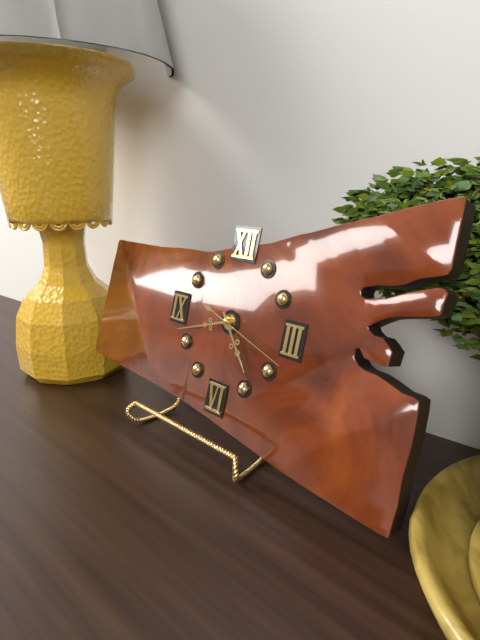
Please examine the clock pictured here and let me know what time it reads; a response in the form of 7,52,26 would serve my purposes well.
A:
4,42,18
